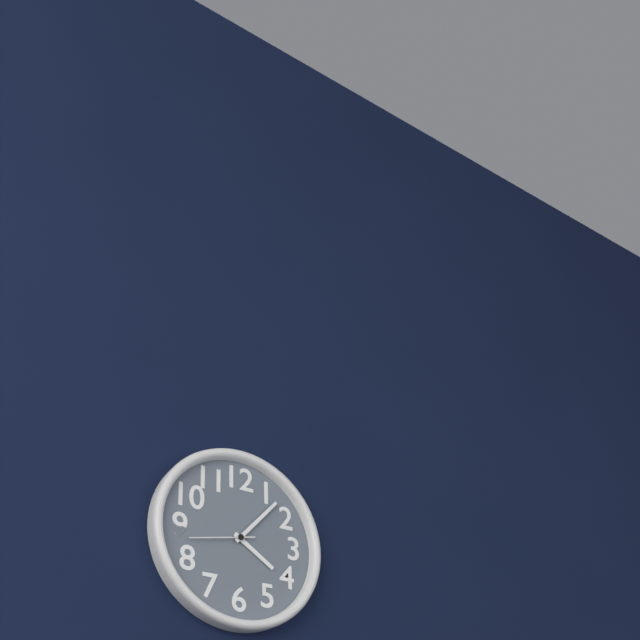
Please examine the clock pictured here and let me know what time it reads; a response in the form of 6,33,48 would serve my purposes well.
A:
4,07,43
